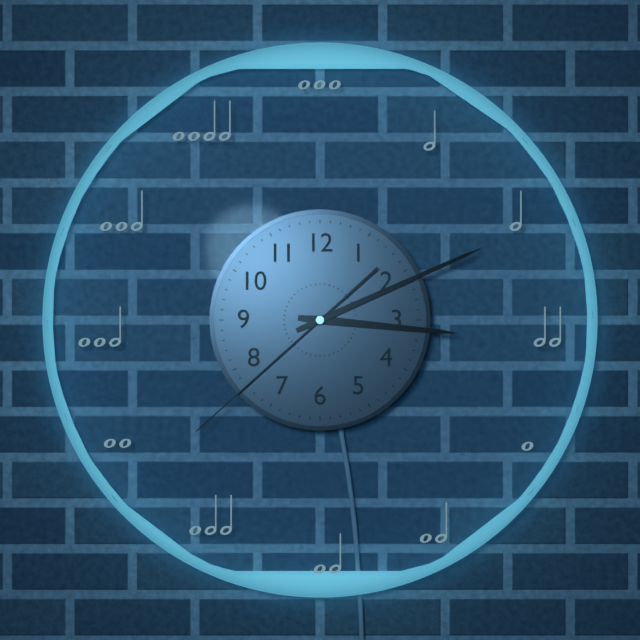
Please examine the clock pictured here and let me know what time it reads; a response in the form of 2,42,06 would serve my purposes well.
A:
3,11,38
